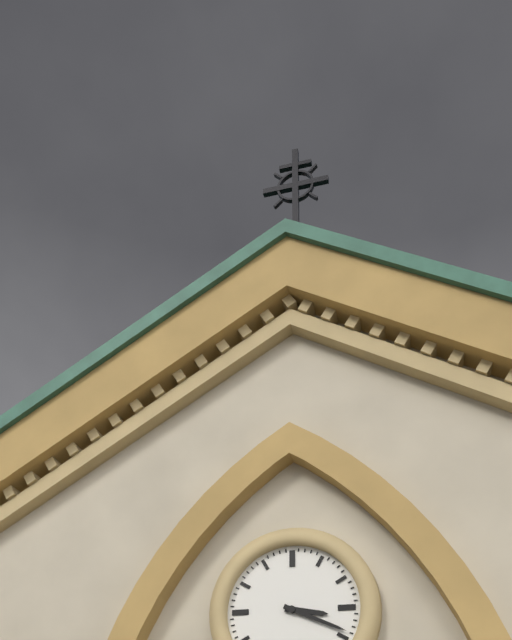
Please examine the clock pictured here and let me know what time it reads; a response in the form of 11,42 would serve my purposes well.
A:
3,19
